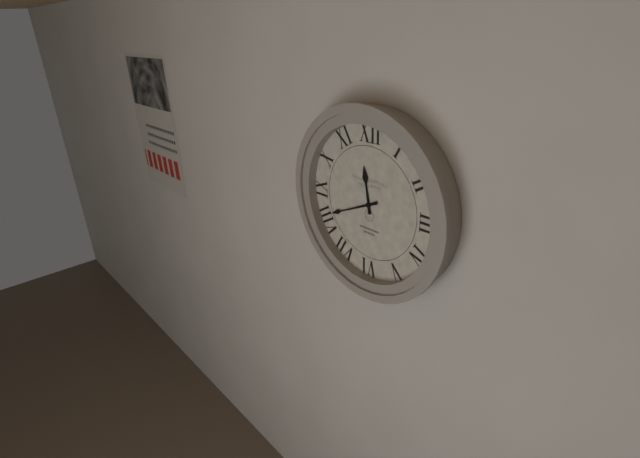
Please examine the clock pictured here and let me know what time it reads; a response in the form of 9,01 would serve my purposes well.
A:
11,41
